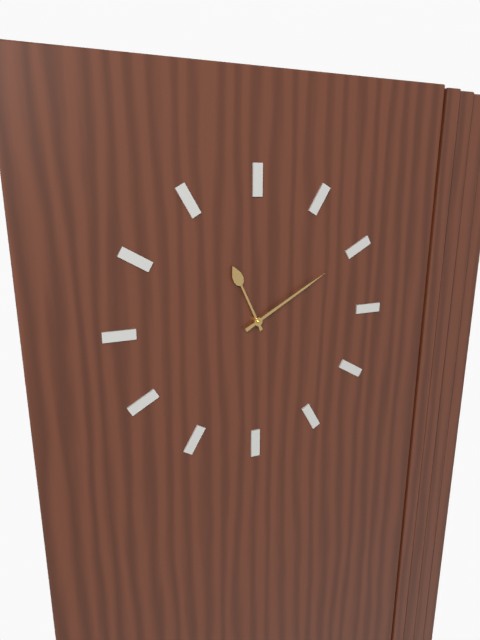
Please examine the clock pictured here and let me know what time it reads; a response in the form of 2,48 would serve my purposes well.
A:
11,10
